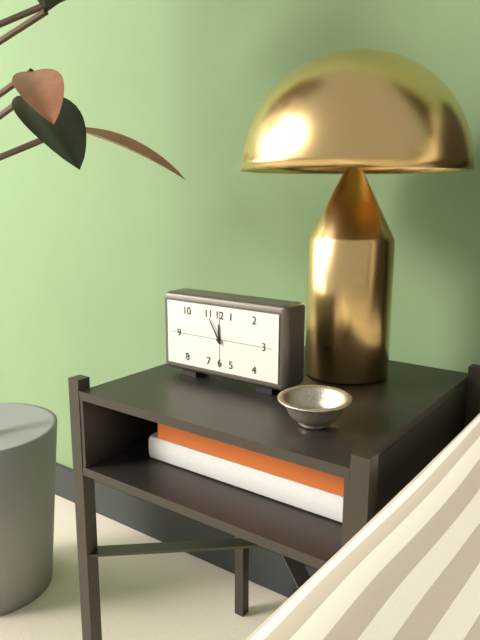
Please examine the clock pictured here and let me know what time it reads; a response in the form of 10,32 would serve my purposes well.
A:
11,55
